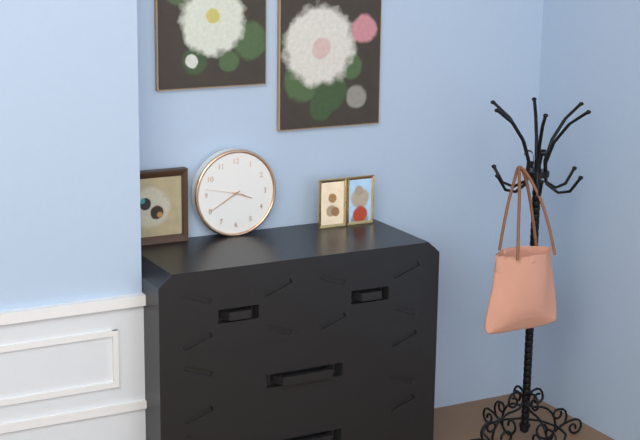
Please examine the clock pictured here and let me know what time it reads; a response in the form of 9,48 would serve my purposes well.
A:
3,40
